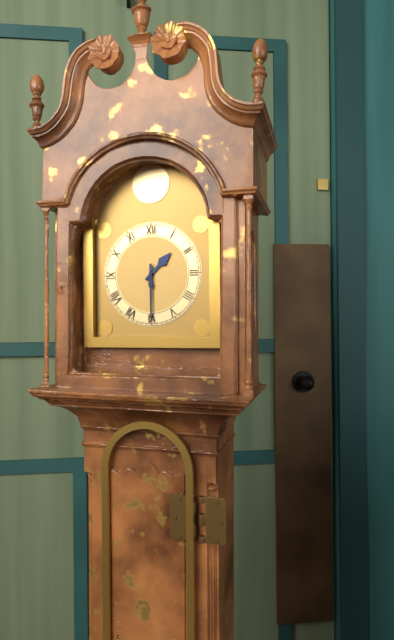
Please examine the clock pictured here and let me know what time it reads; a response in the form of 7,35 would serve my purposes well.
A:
1,30
